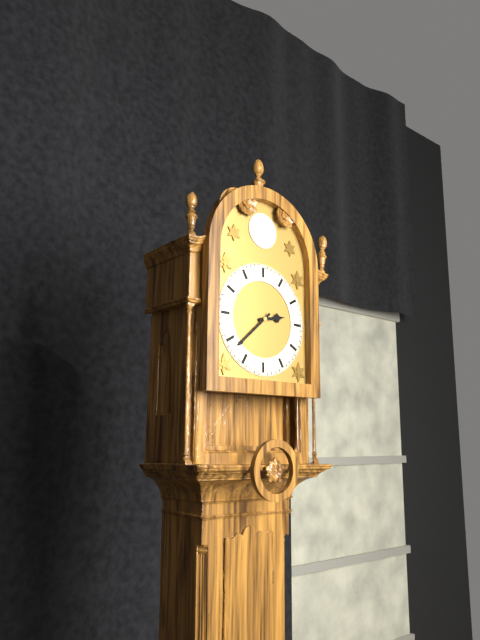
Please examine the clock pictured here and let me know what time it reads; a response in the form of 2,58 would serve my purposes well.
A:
2,38
